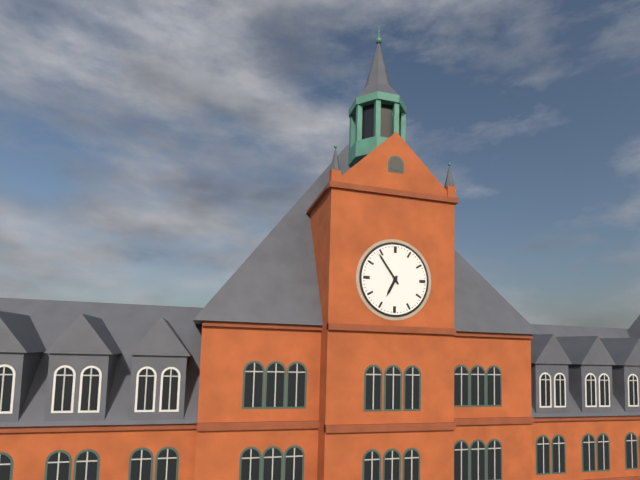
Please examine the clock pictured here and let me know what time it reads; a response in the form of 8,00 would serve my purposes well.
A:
6,54
